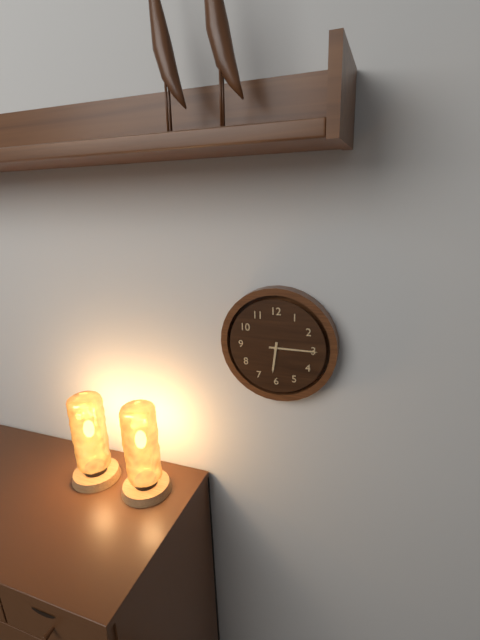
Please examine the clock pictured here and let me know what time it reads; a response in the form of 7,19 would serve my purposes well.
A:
6,15
